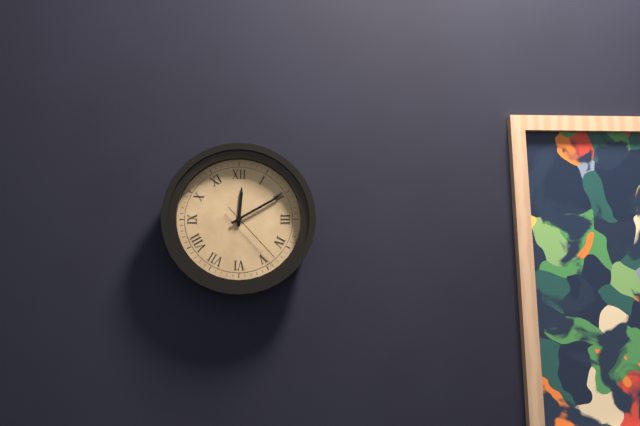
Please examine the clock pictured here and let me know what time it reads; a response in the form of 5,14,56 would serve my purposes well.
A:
12,10,23
